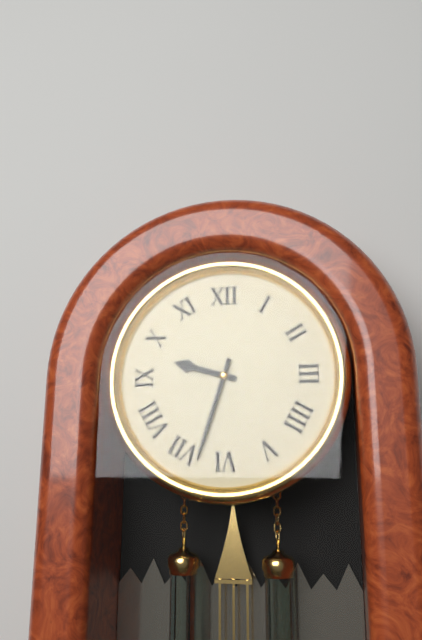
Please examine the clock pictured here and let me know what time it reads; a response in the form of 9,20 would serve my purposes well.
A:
9,33
